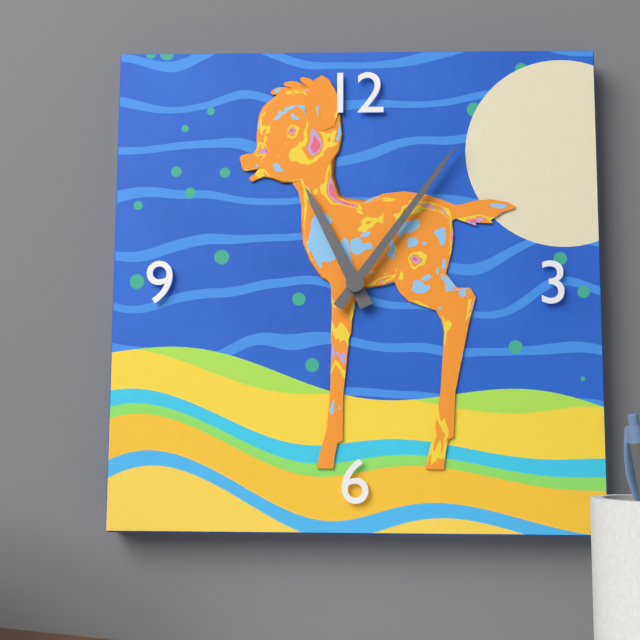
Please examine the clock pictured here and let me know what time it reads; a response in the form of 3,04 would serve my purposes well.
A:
11,06
